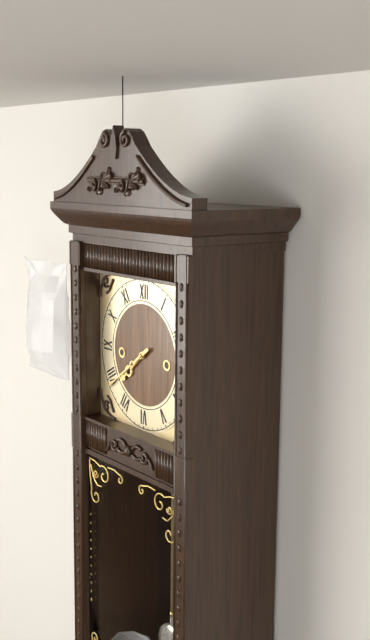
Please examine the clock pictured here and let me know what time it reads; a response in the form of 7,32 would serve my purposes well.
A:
7,39
